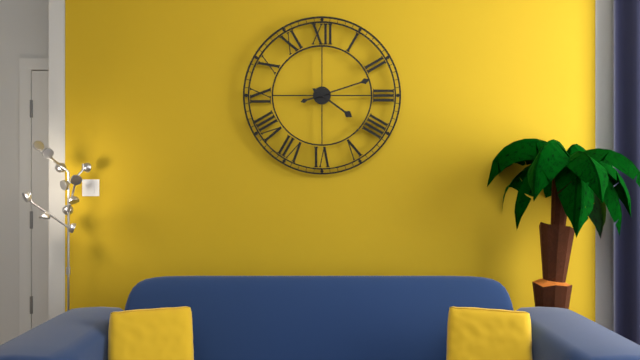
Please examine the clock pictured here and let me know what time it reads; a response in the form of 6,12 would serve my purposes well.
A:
4,12
